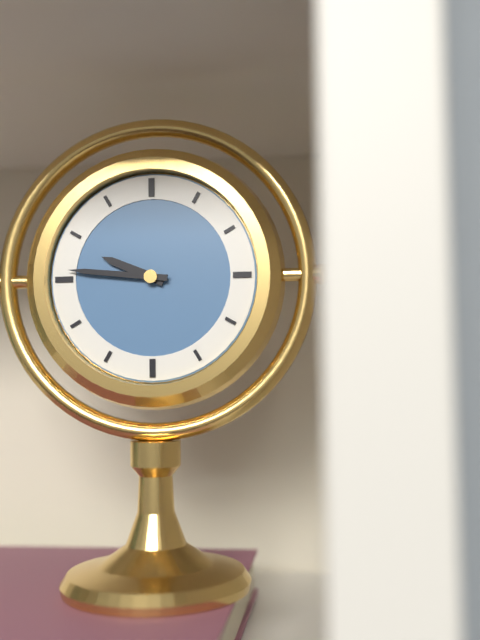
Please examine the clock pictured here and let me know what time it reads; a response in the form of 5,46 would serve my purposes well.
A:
9,46
